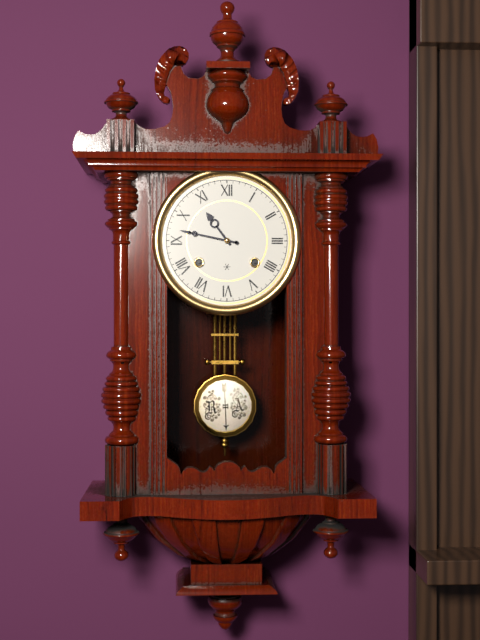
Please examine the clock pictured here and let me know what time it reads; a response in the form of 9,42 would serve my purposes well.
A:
10,47
